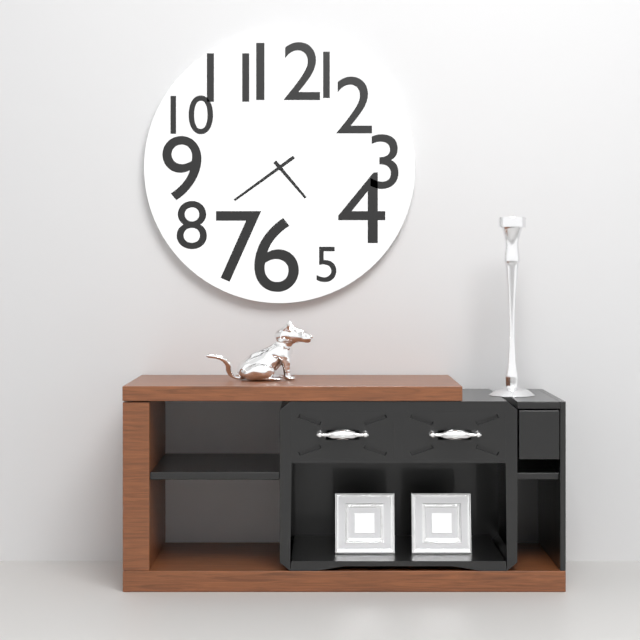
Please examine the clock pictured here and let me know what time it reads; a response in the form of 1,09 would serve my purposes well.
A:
4,39
